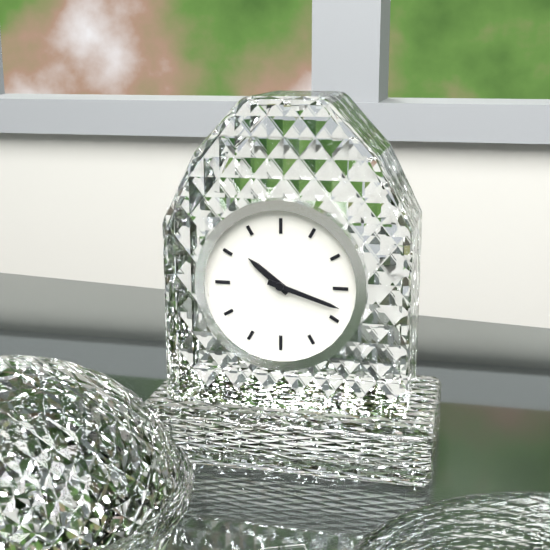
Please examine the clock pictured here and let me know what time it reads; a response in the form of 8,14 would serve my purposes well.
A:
10,18
